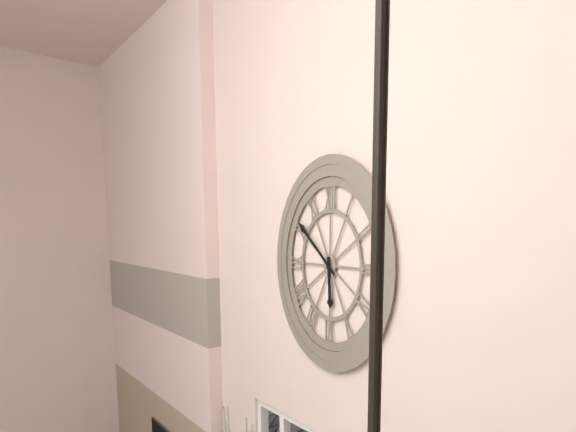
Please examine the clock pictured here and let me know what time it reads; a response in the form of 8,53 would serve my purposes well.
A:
5,51
